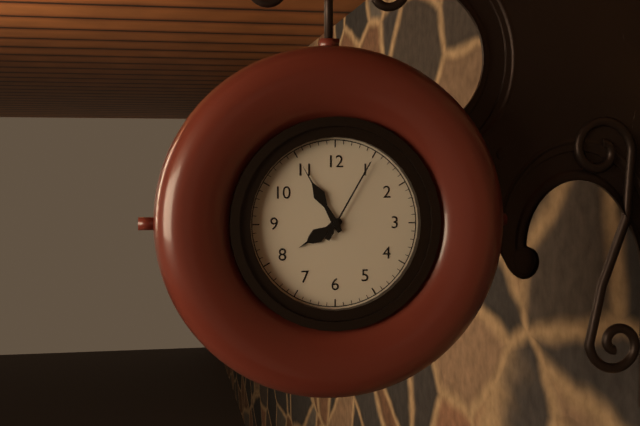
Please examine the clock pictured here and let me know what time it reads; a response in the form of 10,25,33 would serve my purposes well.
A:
7,55,05
